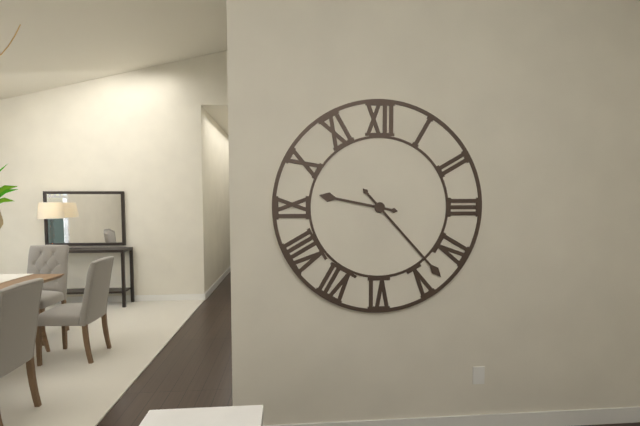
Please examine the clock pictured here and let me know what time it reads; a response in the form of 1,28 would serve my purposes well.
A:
9,23
